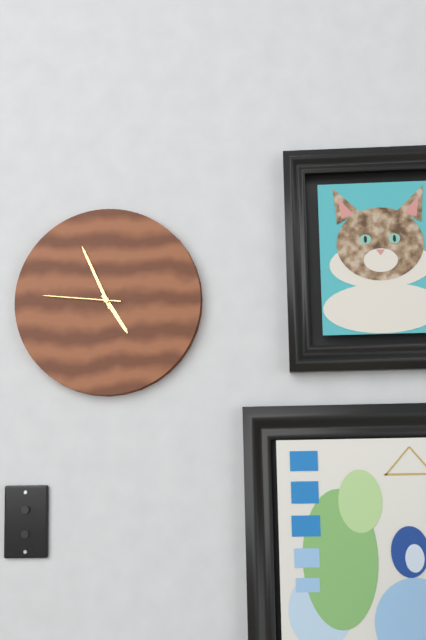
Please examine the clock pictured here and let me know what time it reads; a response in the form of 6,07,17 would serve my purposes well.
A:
4,56,46
